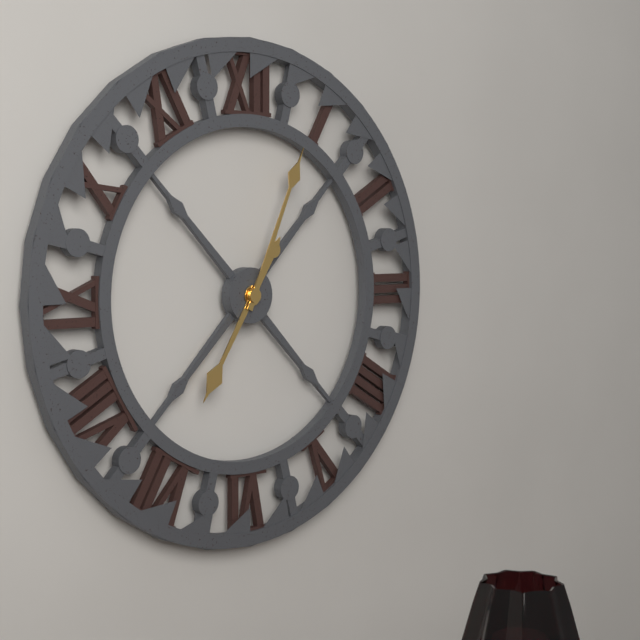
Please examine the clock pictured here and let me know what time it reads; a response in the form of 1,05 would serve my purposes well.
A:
7,04
